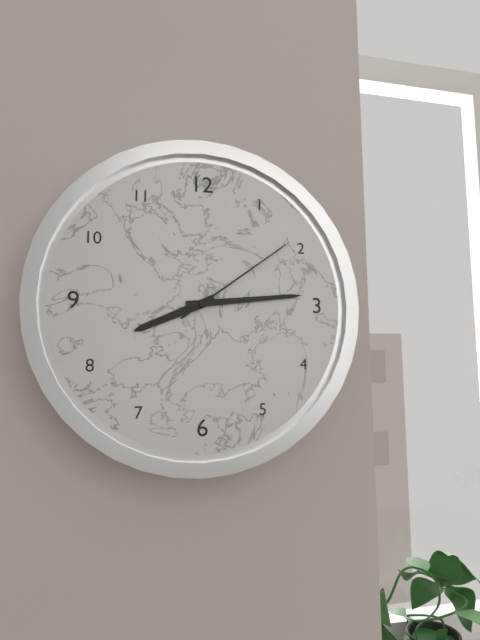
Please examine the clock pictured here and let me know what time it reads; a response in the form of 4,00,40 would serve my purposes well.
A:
8,14,09
